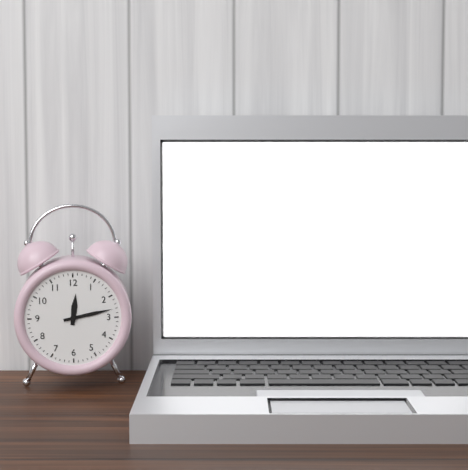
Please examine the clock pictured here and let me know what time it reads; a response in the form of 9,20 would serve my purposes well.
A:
12,13
